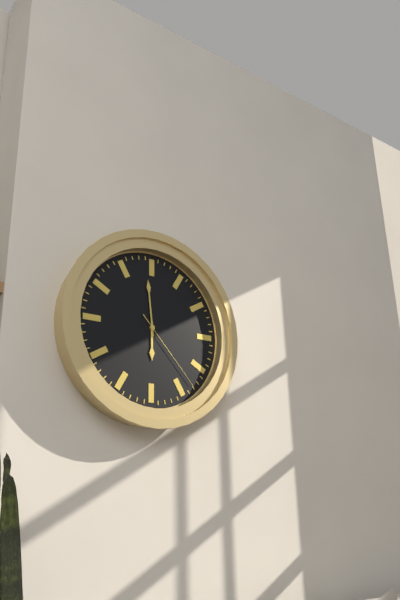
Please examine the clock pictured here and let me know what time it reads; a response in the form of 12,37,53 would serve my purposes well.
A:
5,59,23
